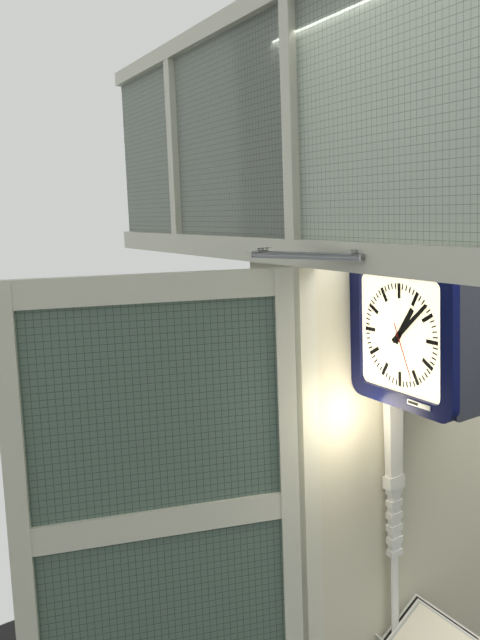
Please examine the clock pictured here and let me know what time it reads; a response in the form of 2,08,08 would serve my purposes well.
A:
1,08,26
